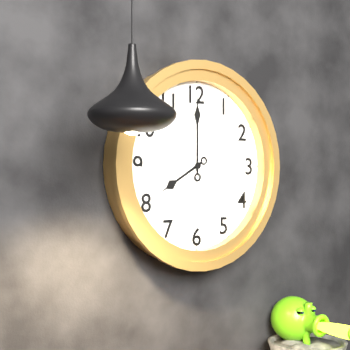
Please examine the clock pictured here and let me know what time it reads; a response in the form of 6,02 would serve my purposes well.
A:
8,00
